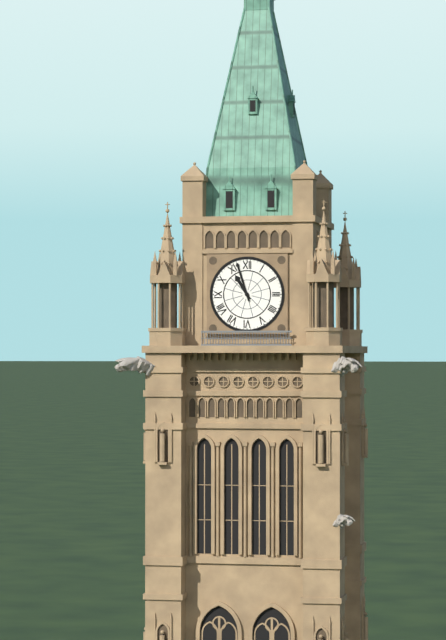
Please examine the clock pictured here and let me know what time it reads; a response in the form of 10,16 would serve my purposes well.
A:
10,57
